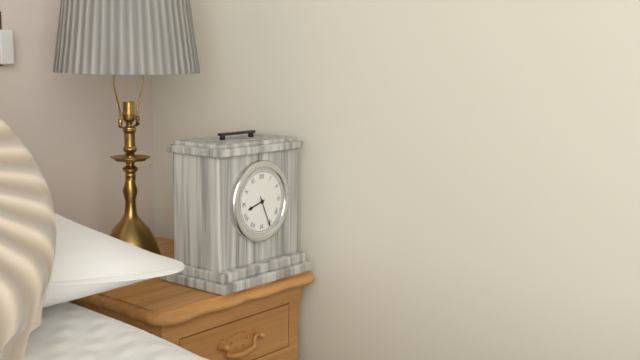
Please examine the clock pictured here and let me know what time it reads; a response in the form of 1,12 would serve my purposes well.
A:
8,26
